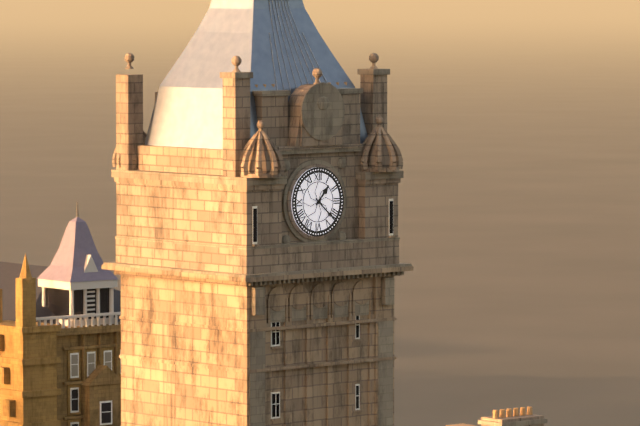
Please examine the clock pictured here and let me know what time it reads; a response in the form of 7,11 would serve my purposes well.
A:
1,22
